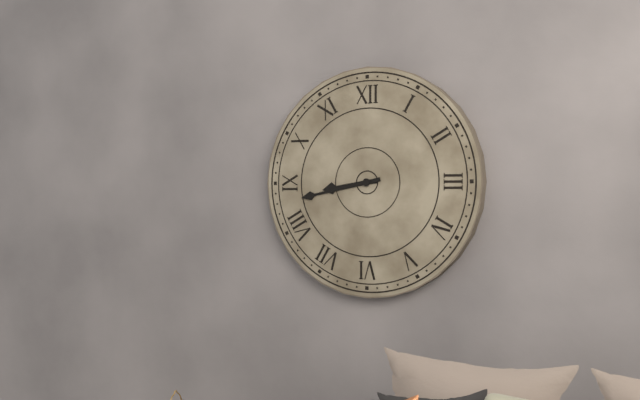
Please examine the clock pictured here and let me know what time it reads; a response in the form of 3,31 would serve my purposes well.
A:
8,43
